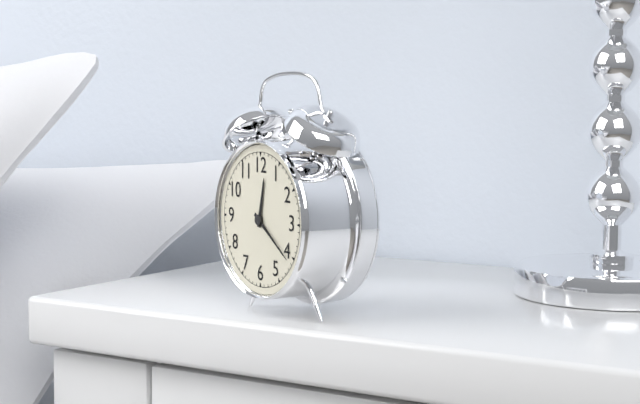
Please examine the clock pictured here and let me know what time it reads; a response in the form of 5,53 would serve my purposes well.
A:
12,21
